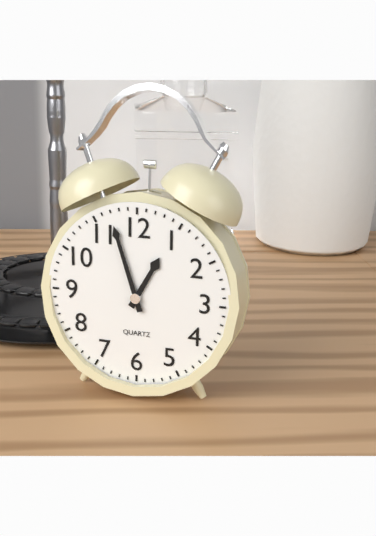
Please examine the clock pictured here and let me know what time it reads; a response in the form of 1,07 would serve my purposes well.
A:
12,57
